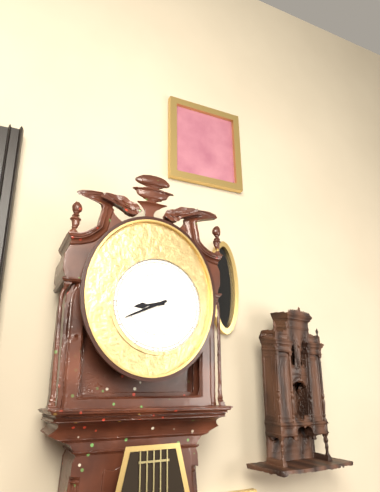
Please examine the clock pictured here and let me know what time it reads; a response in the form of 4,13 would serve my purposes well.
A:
8,41
